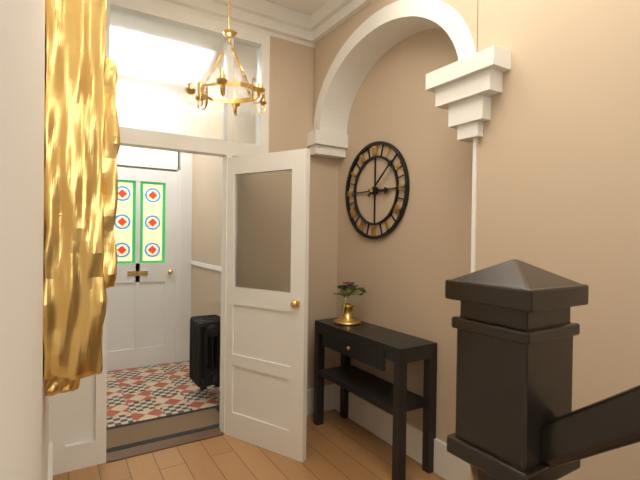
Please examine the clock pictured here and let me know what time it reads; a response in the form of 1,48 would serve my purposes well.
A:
3,08
